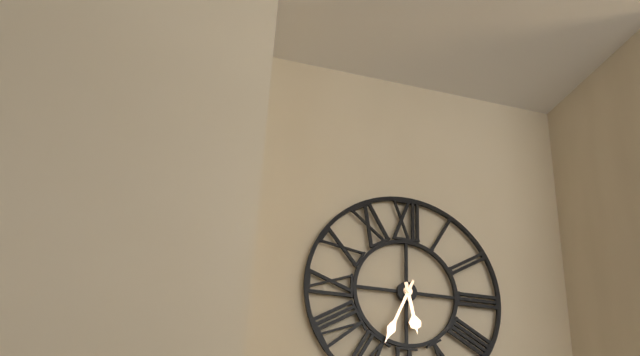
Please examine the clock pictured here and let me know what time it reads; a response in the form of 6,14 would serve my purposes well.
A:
5,34
